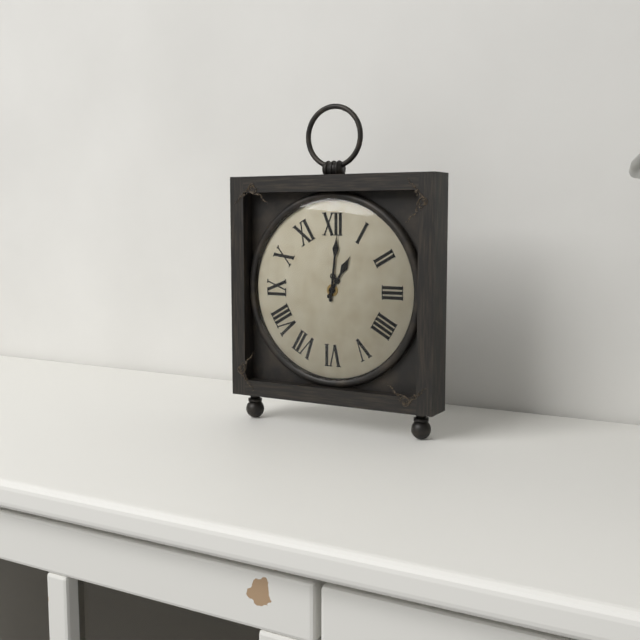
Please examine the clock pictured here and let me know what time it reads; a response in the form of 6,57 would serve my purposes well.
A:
1,01
